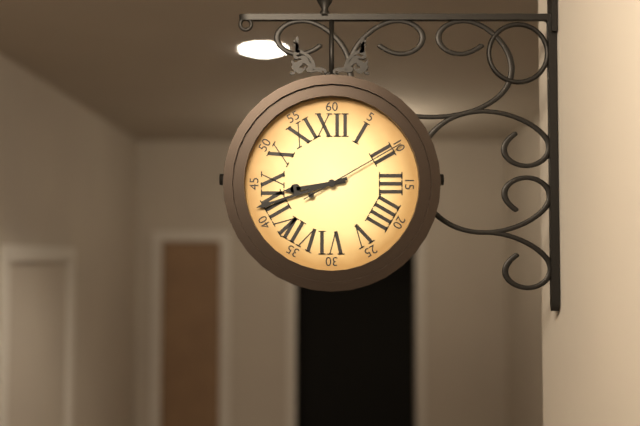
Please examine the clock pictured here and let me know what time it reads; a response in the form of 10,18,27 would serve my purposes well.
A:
8,42,10
